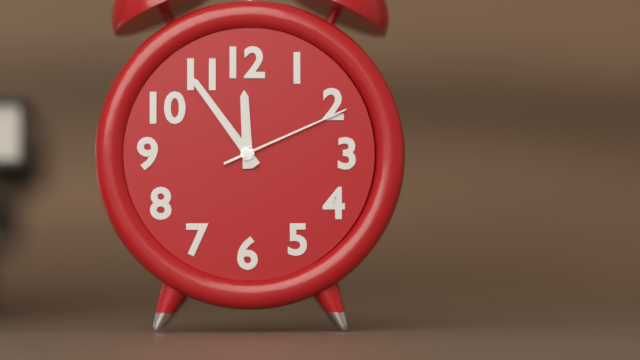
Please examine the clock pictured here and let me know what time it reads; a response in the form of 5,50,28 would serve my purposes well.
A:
11,54,11
